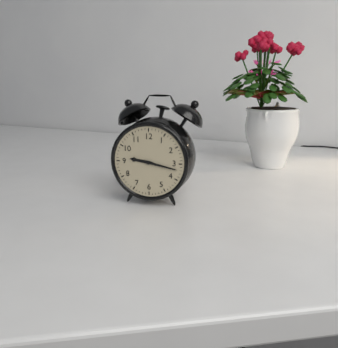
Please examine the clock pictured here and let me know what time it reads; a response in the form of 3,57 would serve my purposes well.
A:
9,17
